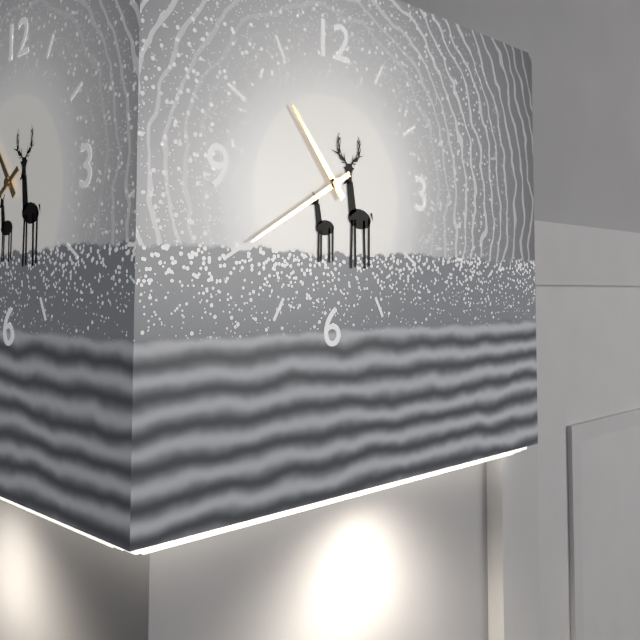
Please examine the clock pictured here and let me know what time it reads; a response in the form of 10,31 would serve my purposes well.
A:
10,40
